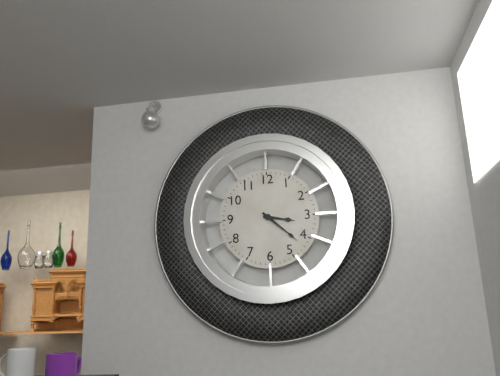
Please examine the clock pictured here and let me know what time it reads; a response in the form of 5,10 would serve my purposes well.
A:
3,22
